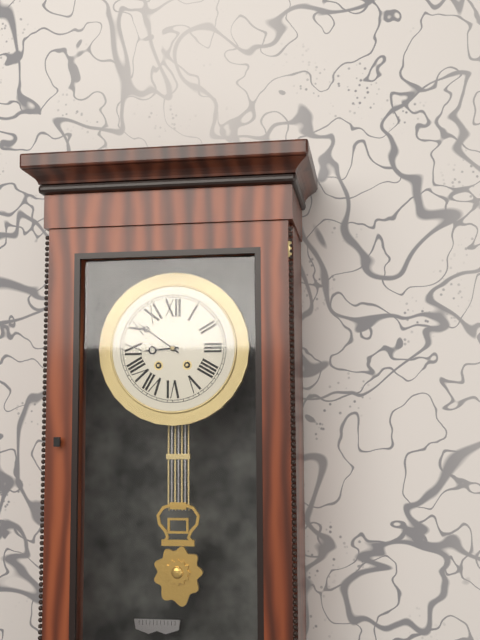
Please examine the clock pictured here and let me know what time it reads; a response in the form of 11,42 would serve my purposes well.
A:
8,51
